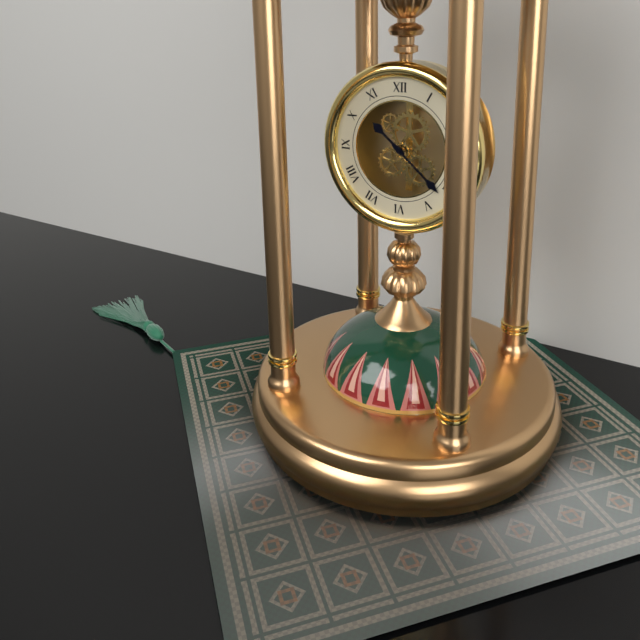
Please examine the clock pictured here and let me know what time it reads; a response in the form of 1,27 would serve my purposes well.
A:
10,22
